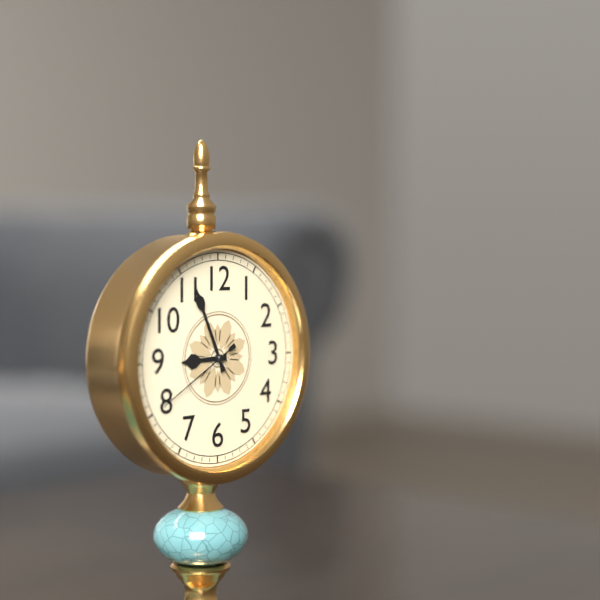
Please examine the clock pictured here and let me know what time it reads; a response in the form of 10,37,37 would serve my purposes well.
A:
8,56,40
